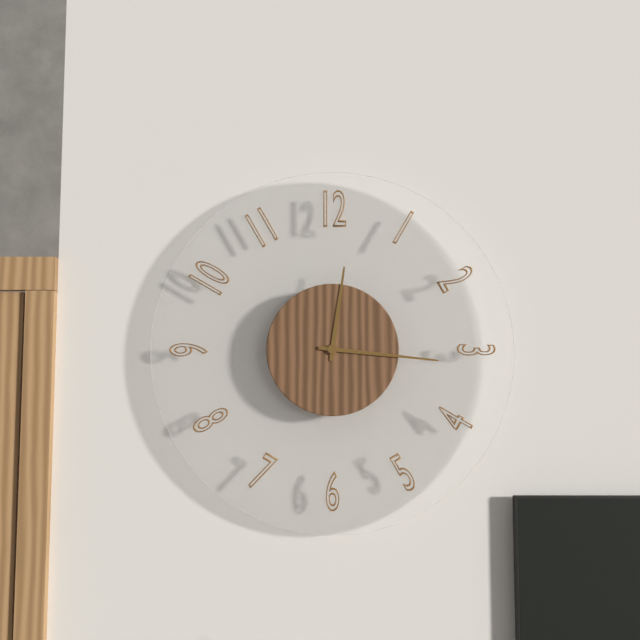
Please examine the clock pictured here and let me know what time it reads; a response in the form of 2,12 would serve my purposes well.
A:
12,16
